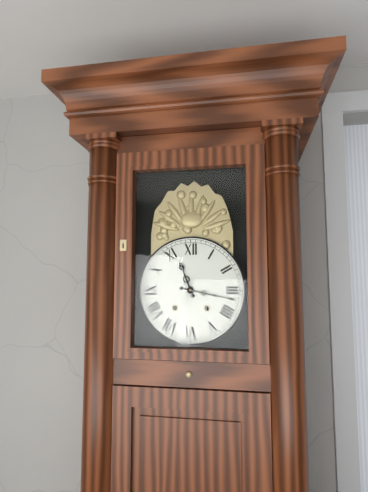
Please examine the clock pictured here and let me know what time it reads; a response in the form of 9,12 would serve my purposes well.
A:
11,17
